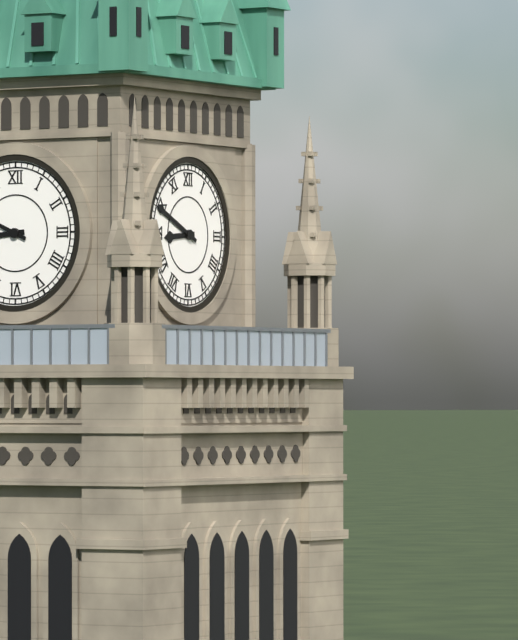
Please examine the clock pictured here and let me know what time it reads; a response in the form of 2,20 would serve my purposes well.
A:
8,49
